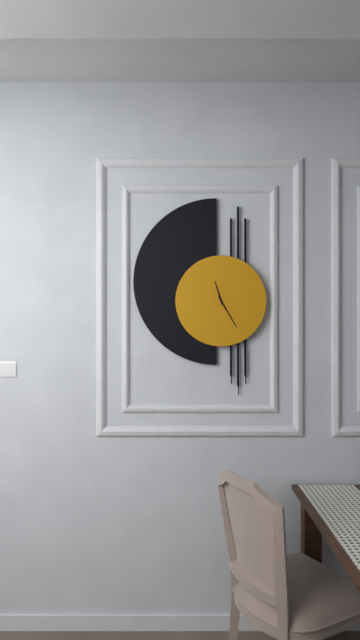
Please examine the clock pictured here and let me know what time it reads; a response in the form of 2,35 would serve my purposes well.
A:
11,25
